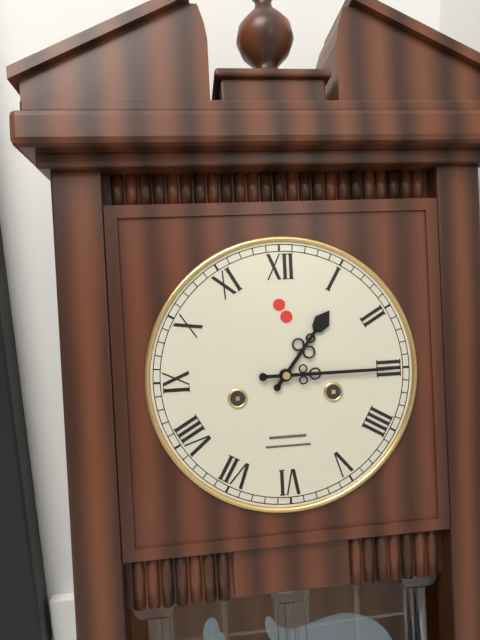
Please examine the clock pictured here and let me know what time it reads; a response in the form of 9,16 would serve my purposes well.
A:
1,15
